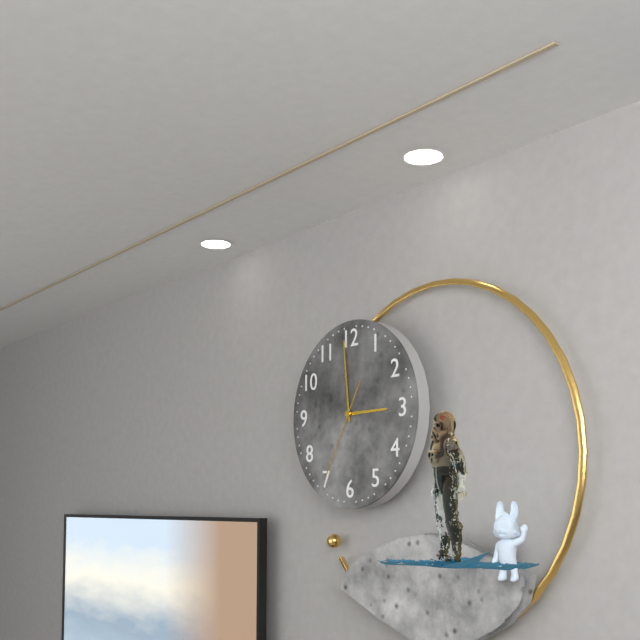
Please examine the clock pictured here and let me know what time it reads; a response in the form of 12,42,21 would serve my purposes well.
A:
2,59,35
